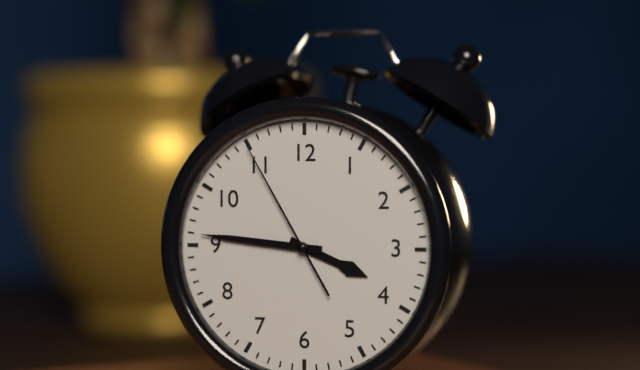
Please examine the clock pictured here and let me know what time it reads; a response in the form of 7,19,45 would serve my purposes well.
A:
3,46,55
